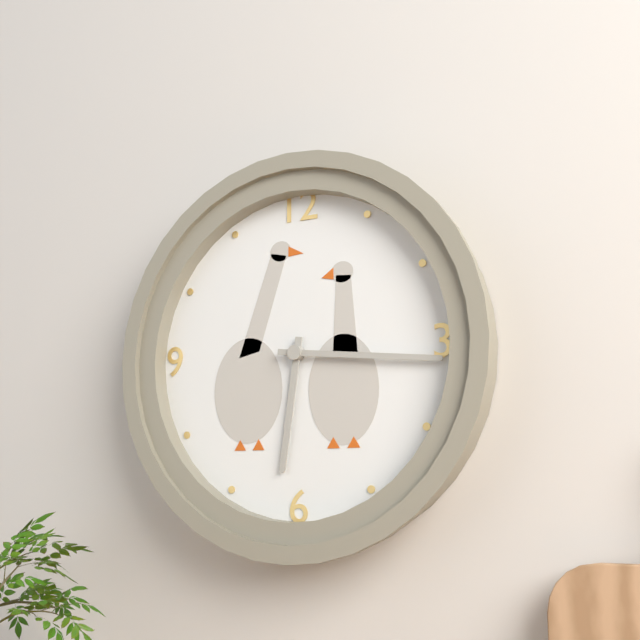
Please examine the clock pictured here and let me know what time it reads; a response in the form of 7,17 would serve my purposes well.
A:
6,16
